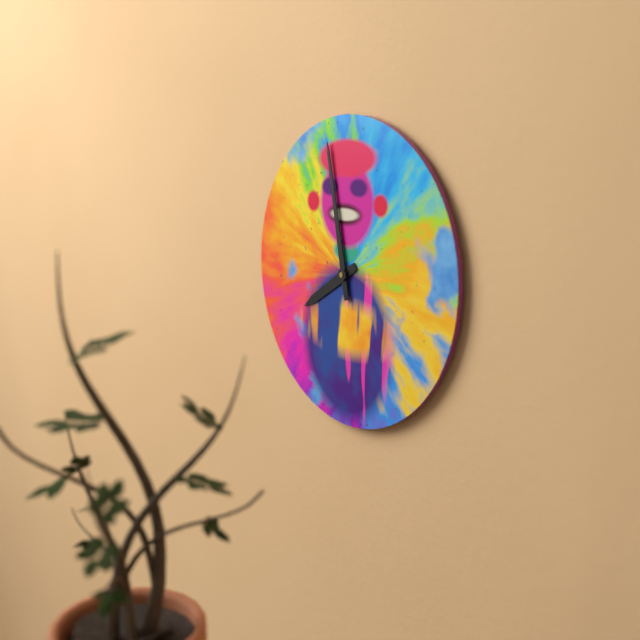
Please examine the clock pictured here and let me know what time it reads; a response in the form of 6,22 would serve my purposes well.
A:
7,58
